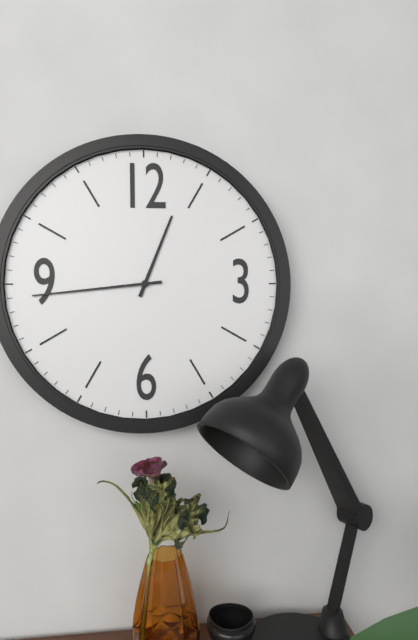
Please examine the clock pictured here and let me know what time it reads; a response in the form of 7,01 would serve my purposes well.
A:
12,44
